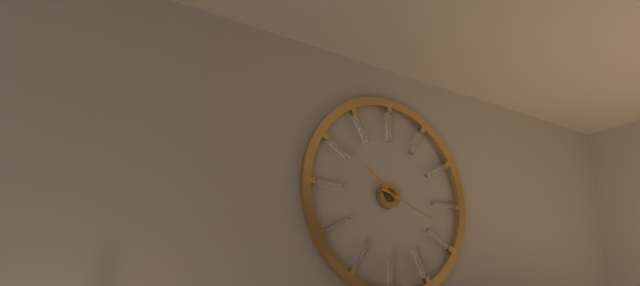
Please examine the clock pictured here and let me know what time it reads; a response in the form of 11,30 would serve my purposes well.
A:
10,18
